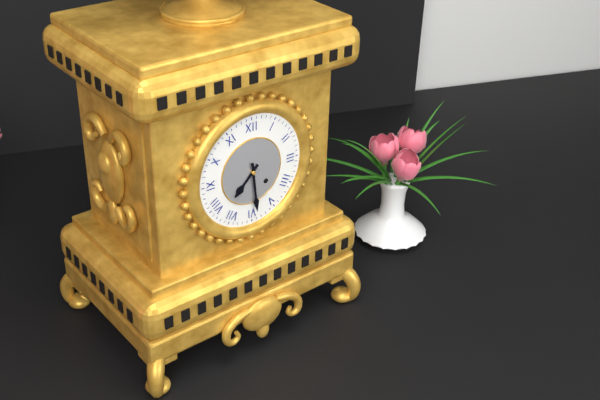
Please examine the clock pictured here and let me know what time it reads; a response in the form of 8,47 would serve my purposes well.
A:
7,29
